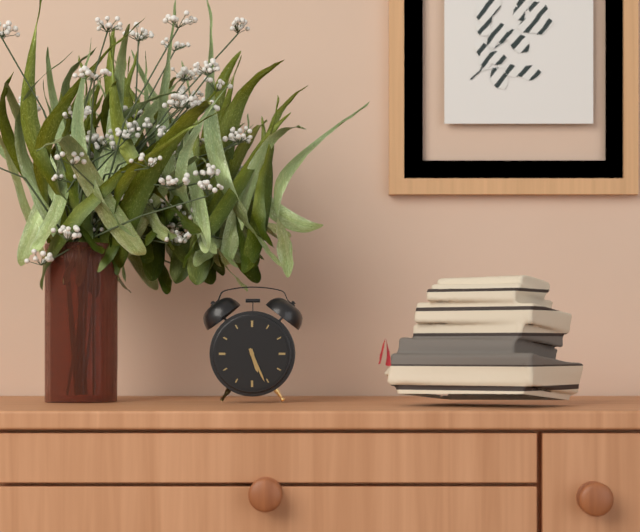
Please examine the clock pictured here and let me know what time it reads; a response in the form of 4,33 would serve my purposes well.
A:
5,26
